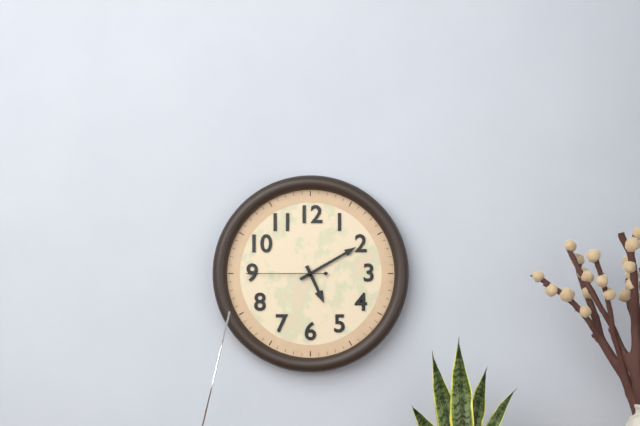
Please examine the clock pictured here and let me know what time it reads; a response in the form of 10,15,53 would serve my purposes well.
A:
5,10,45
